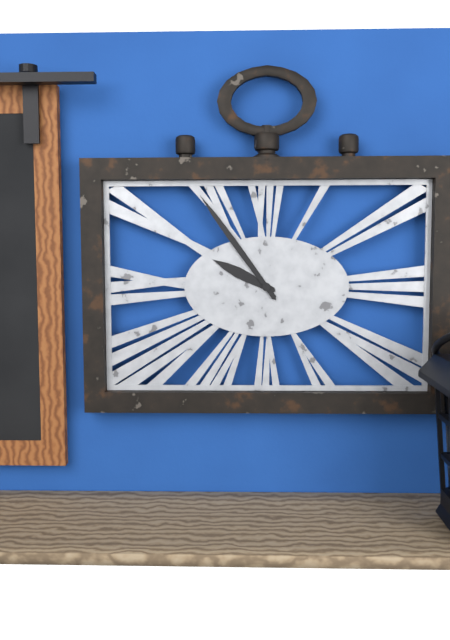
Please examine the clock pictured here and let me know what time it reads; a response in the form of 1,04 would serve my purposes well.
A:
9,54
